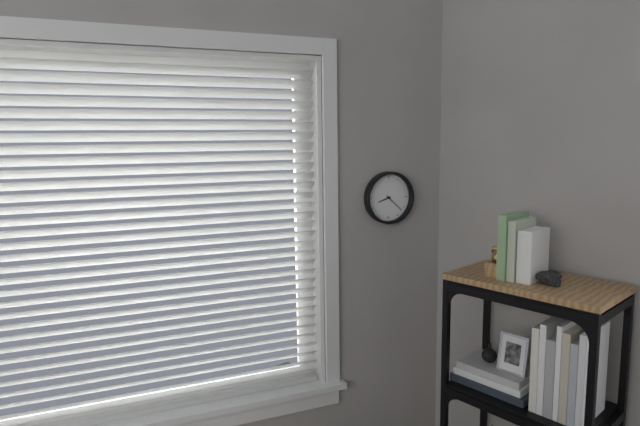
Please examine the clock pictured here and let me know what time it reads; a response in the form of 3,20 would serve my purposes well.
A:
8,22
